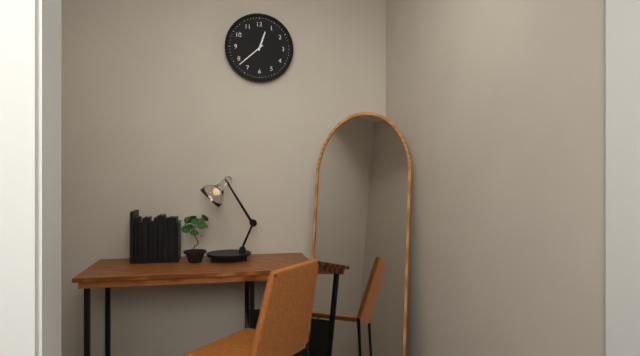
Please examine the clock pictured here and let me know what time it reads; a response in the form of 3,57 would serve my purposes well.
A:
12,38
